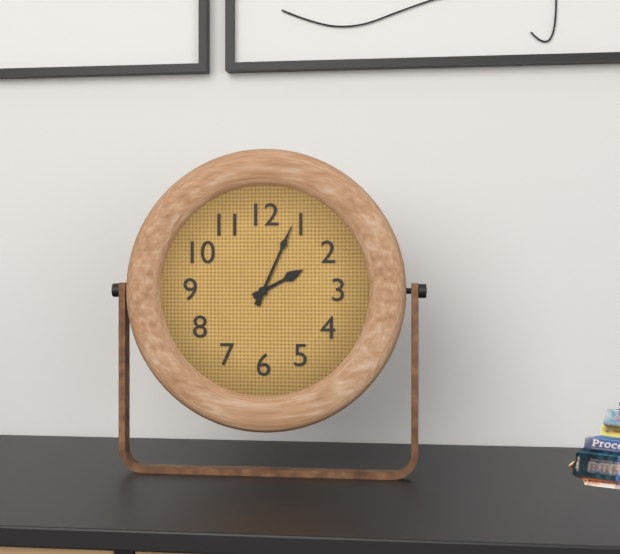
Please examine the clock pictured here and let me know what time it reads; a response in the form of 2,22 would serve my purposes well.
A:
2,04
